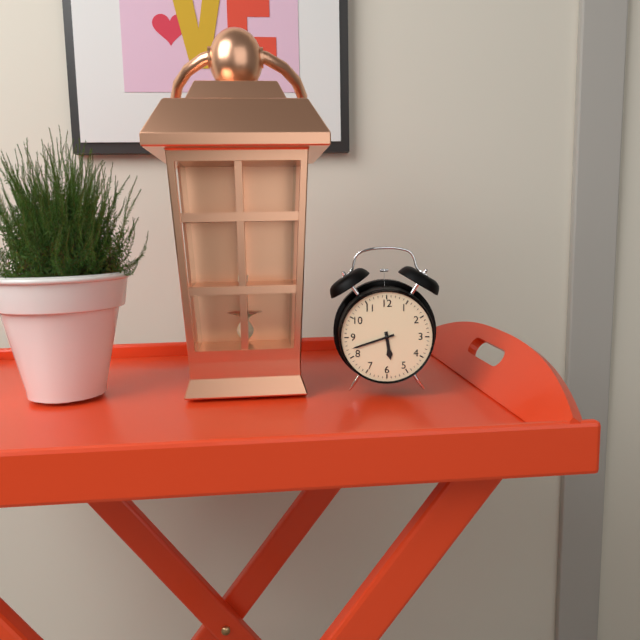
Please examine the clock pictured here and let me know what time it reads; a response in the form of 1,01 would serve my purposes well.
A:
5,42
